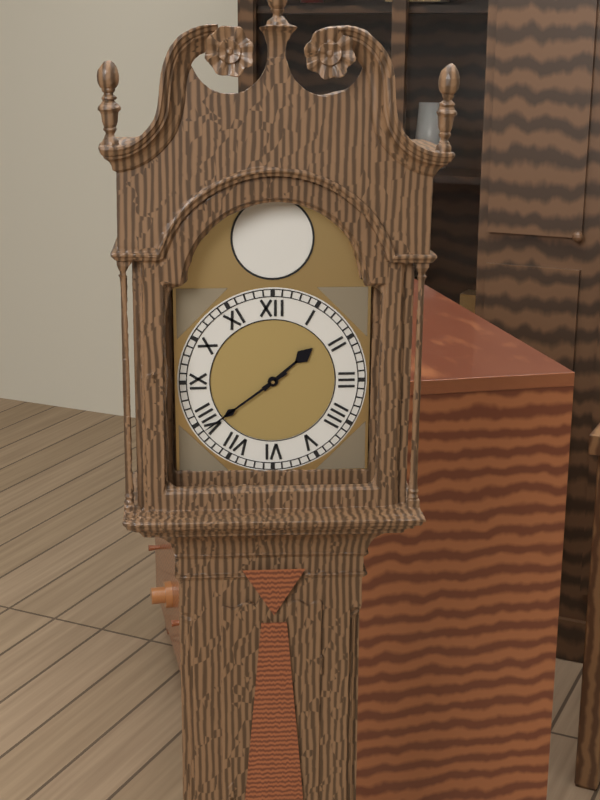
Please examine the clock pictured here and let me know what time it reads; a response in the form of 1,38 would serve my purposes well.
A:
1,39
